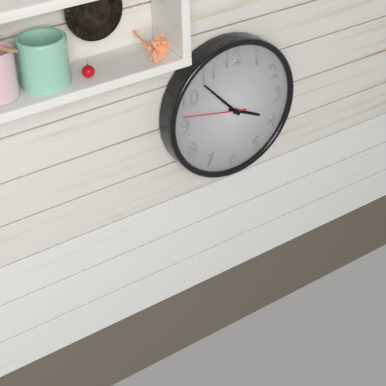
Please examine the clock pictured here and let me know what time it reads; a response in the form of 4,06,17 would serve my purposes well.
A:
3,53,47
